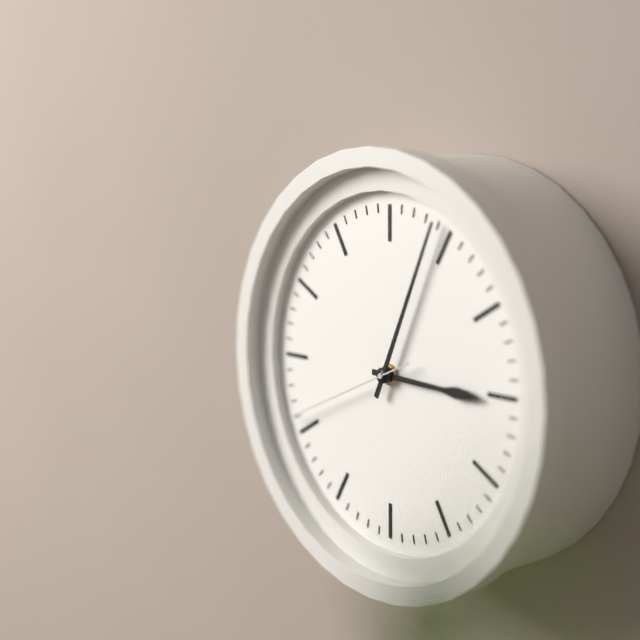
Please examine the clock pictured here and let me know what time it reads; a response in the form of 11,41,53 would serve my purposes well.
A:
3,04,41
